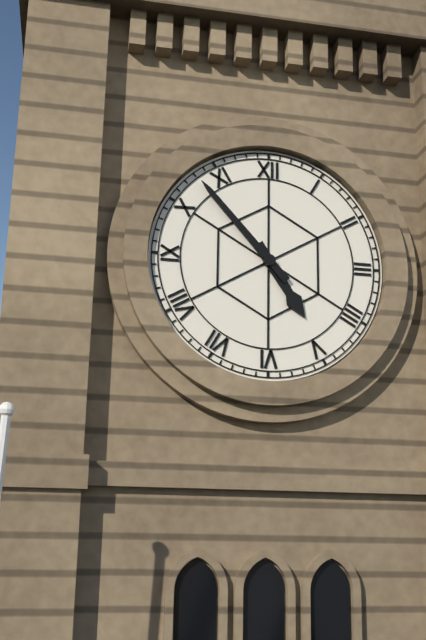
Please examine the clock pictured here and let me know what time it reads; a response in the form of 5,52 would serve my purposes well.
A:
4,53
